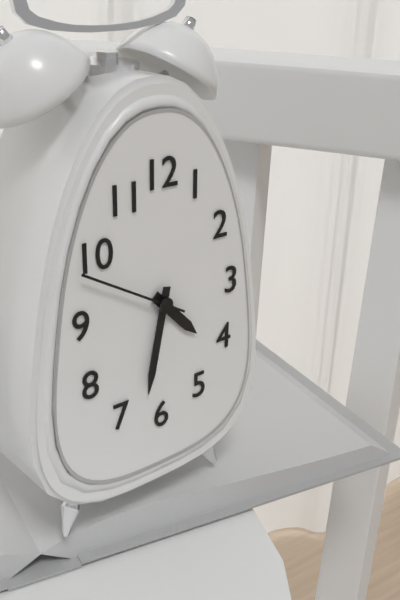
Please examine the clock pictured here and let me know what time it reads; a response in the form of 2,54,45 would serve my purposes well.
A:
4,32,50
